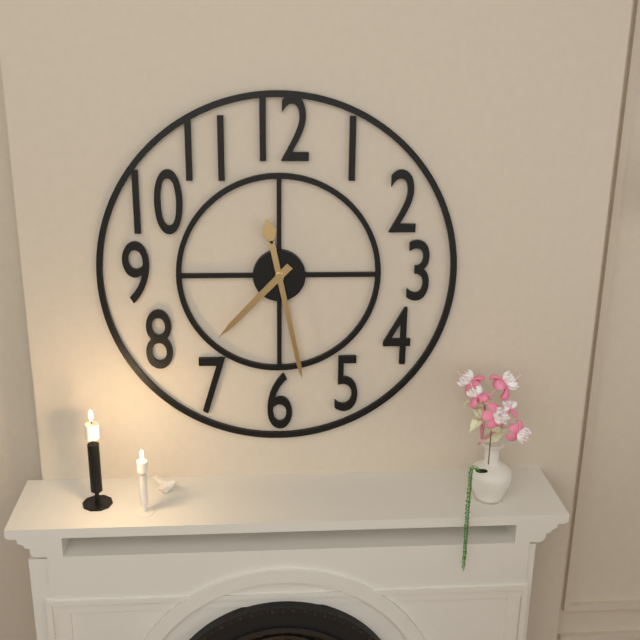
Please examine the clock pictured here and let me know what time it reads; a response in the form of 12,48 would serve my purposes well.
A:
7,28
